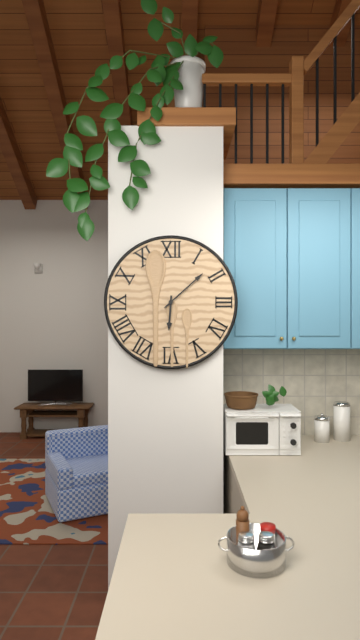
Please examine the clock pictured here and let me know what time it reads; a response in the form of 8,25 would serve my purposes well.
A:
6,08
